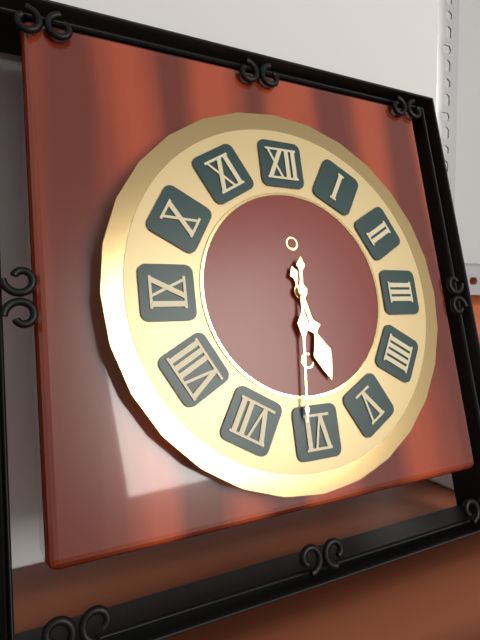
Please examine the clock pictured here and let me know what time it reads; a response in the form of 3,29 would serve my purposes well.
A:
5,31
